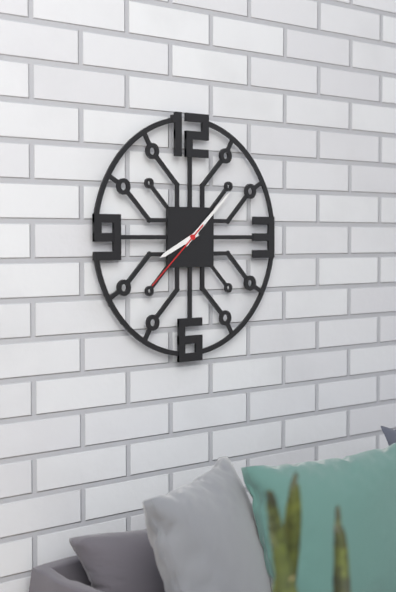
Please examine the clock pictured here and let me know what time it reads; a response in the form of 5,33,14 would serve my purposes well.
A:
8,08,38
